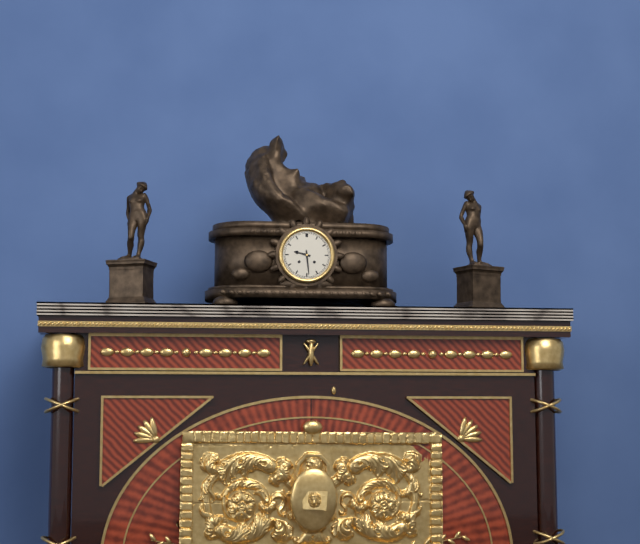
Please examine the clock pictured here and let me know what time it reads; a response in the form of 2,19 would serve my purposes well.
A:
9,29
